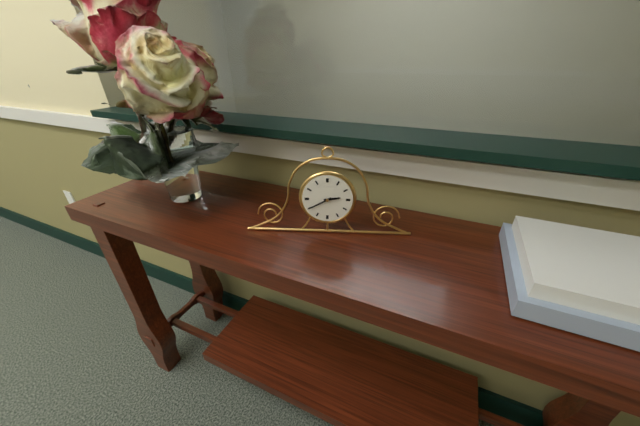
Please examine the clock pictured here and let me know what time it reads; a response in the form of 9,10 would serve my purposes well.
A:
2,40
